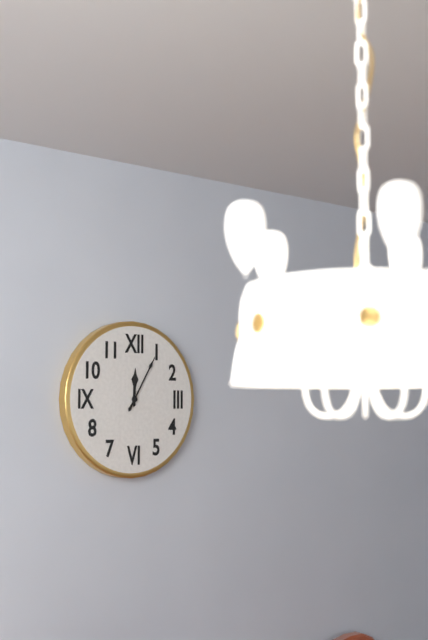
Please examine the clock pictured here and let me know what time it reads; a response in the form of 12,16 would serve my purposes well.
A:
12,05
